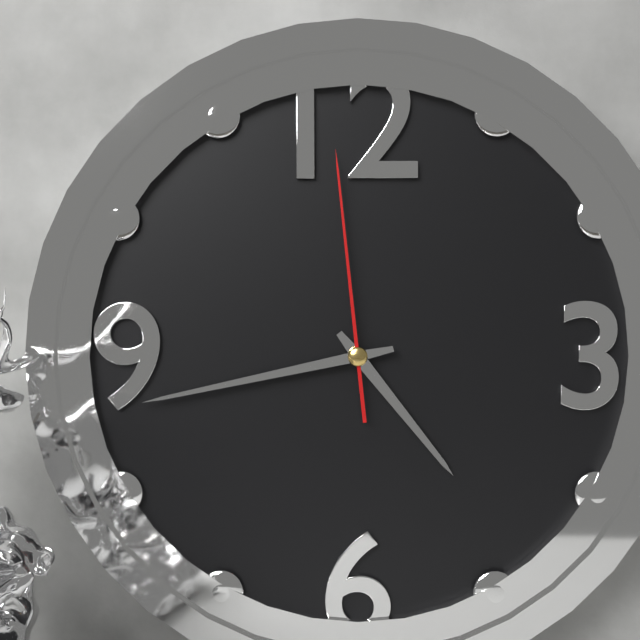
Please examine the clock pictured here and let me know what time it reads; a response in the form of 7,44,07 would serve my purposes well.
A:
4,43,59
